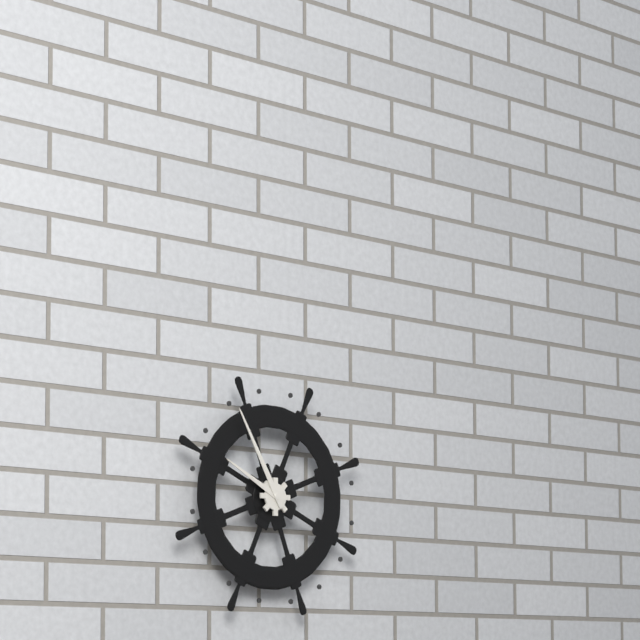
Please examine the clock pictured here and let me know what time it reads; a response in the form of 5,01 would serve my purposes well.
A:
9,55
